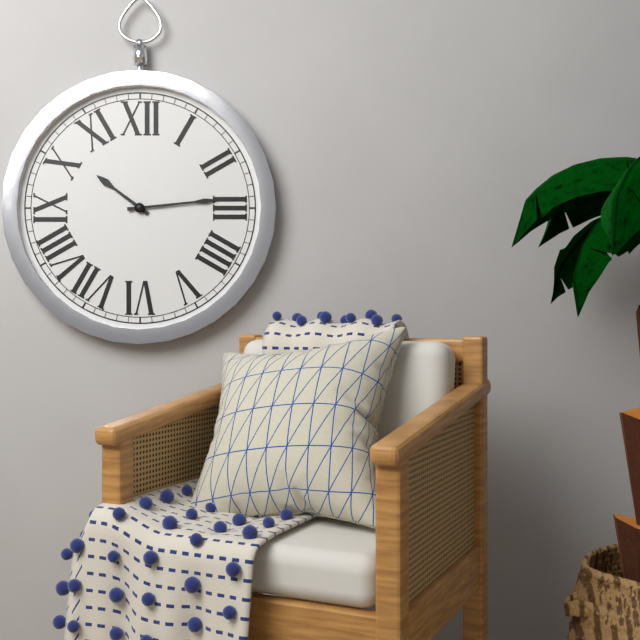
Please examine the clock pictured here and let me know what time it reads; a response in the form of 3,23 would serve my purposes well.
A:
10,14
